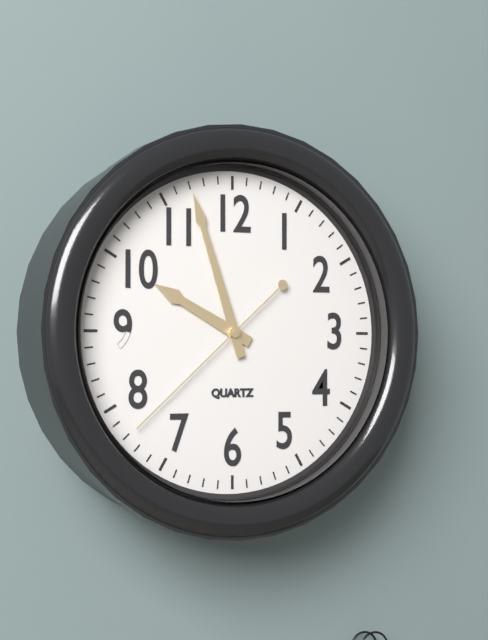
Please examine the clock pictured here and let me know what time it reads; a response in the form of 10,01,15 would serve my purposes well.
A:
9,57,38
